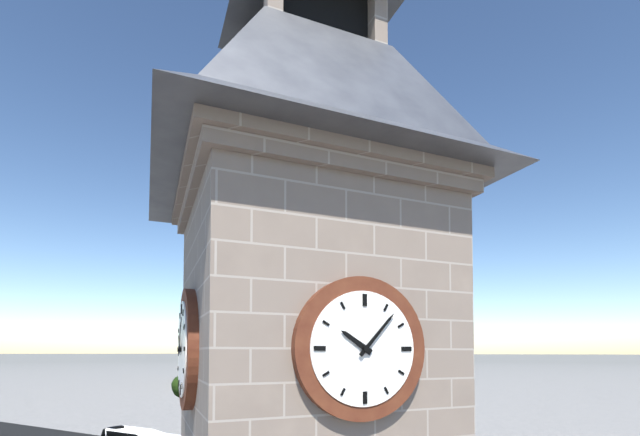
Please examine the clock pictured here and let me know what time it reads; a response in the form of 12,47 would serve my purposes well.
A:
10,07
